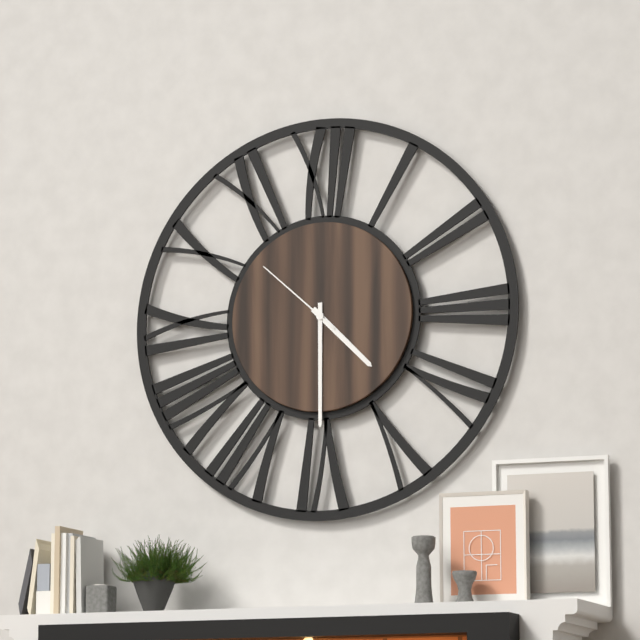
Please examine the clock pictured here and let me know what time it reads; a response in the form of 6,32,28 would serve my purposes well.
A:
4,30,52
